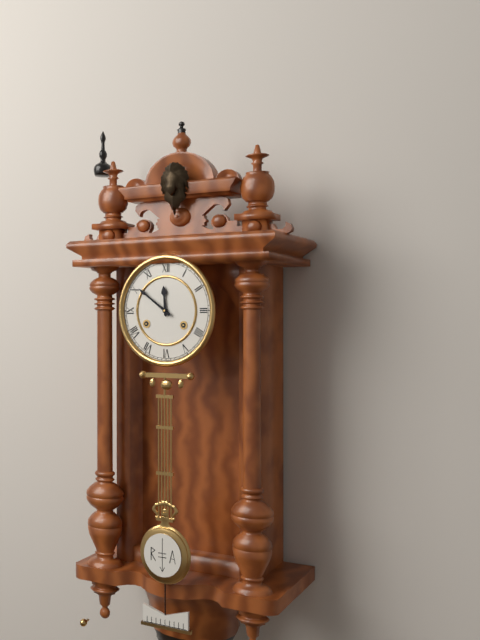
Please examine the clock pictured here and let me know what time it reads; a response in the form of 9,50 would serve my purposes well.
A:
11,51
